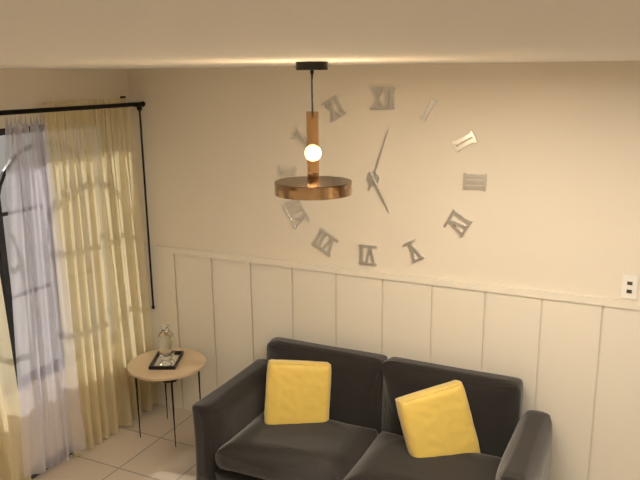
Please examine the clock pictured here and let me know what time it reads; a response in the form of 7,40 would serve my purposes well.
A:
5,03
